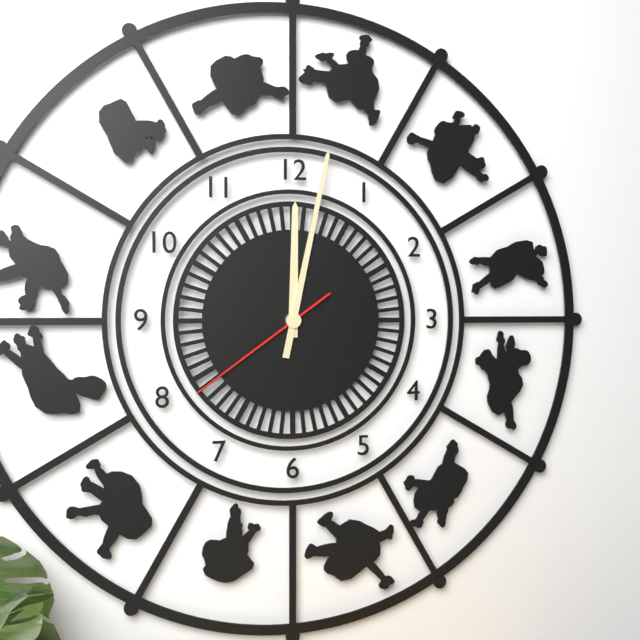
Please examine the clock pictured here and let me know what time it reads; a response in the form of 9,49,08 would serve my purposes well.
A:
12,02,39
